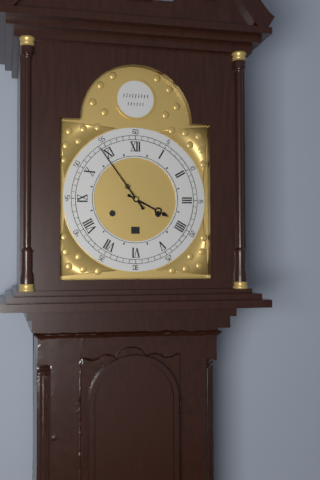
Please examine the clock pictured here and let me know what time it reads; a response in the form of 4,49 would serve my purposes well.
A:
3,54
